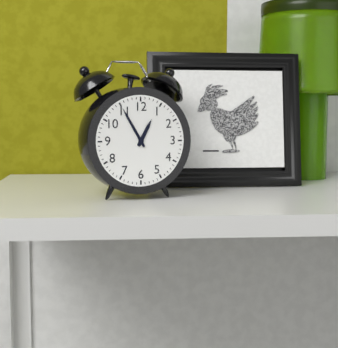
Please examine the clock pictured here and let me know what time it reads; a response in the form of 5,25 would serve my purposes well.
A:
12,55
